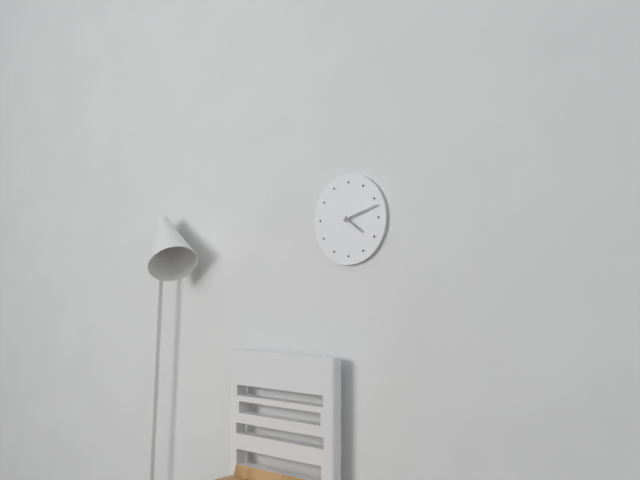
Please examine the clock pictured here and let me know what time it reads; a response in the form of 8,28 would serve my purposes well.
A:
4,12
